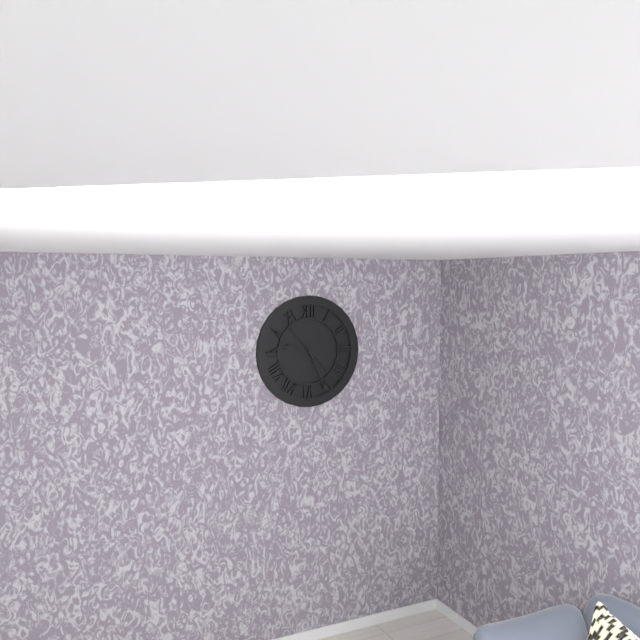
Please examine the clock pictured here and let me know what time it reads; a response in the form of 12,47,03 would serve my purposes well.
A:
9,26,23
